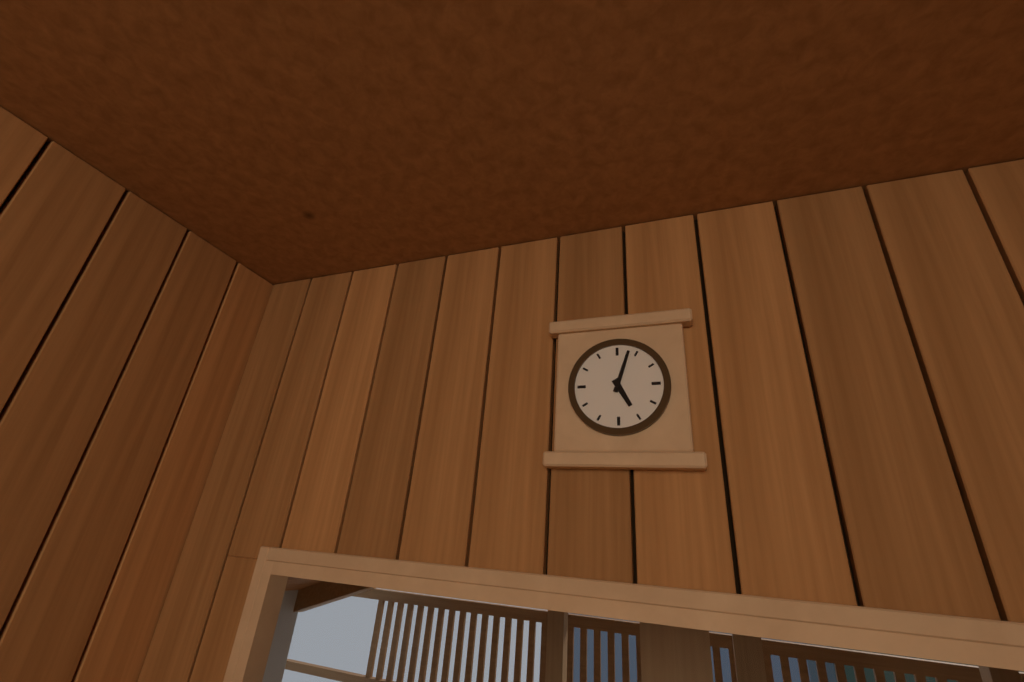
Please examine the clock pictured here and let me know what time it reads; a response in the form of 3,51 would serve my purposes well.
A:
5,03
